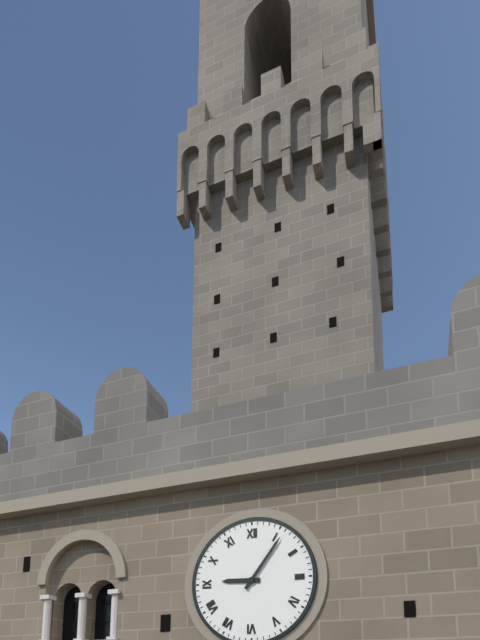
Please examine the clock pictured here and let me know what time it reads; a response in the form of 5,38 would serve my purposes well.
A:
9,06
